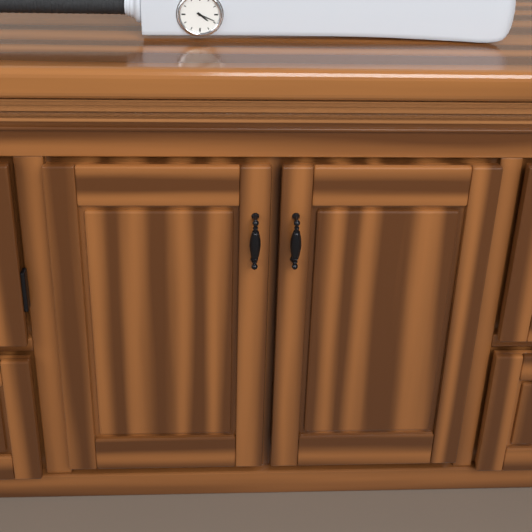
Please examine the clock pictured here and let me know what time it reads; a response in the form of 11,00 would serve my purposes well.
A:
4,19
